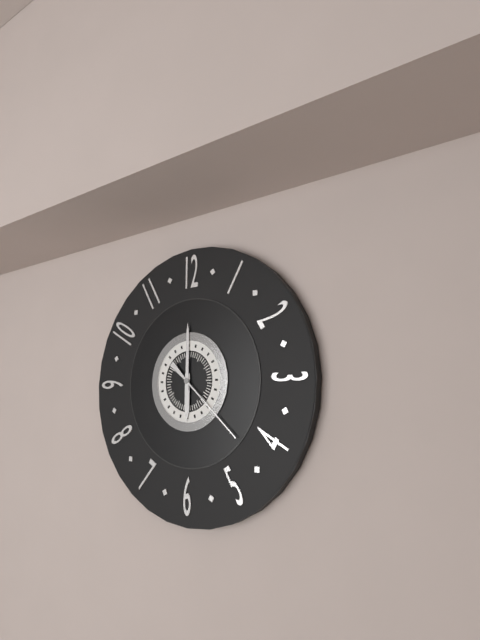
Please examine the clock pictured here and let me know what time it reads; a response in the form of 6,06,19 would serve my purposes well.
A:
6,00,22
